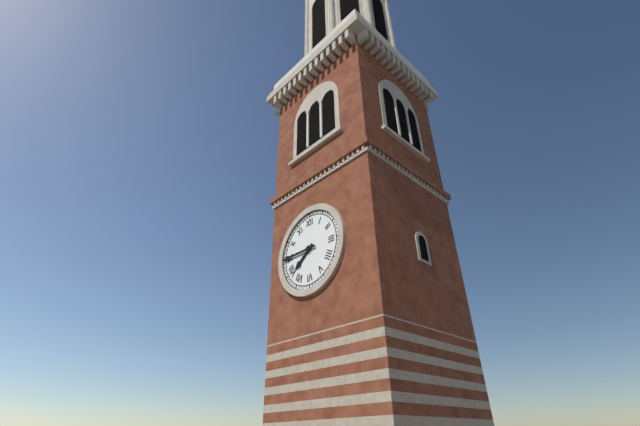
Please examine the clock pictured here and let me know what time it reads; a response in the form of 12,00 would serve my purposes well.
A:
7,45
